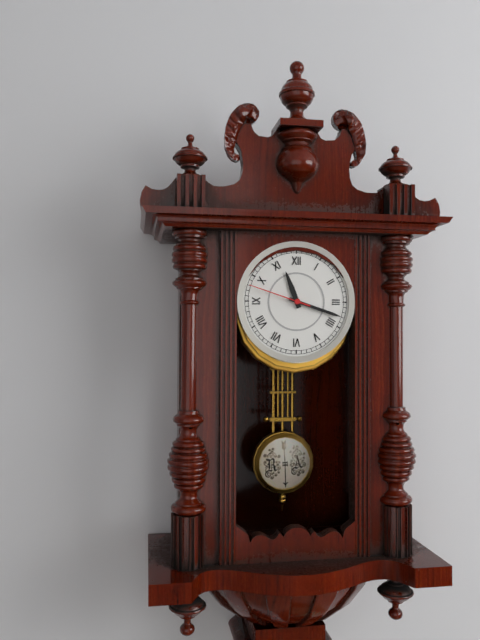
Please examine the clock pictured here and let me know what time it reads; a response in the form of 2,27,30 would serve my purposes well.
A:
11,18,48
